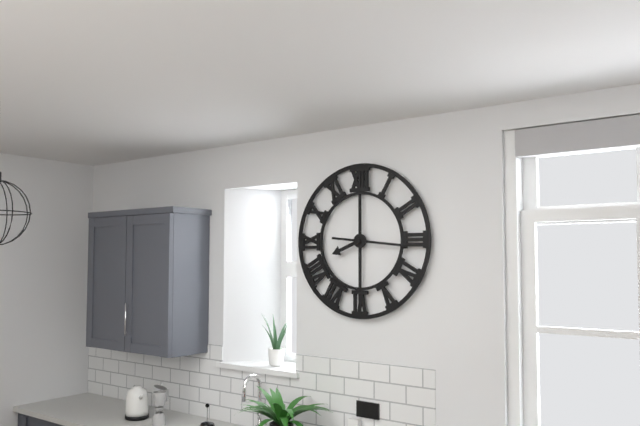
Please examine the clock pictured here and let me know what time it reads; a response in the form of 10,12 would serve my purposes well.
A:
8,16
